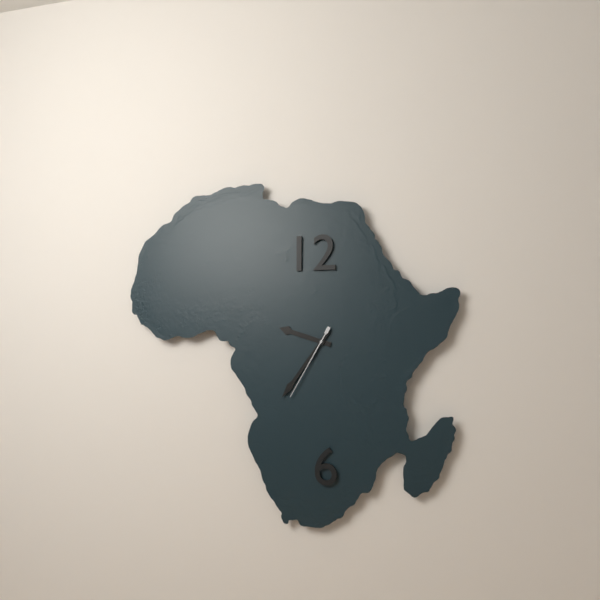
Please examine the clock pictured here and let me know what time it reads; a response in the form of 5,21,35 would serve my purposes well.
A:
9,36,35
